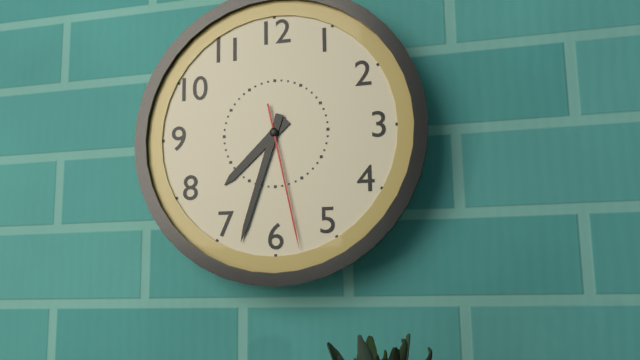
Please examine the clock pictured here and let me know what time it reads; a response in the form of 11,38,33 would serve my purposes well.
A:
7,33,28
